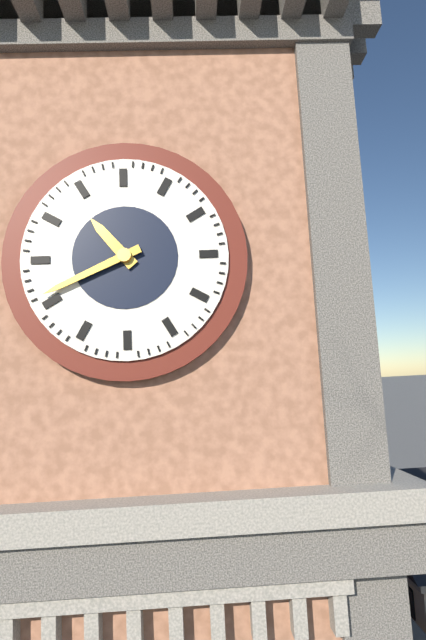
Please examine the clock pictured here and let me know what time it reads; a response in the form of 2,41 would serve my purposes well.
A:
10,41
